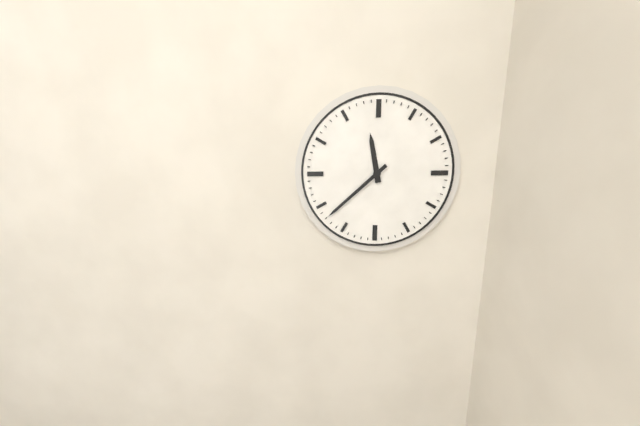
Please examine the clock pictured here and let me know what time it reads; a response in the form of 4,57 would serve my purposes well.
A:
11,38
